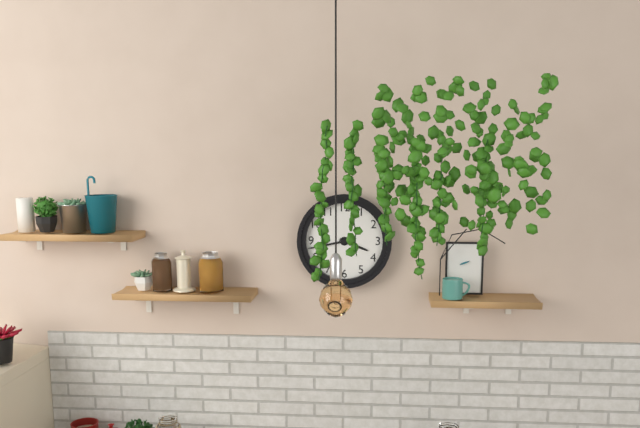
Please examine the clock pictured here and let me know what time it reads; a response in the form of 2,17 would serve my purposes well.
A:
3,43
